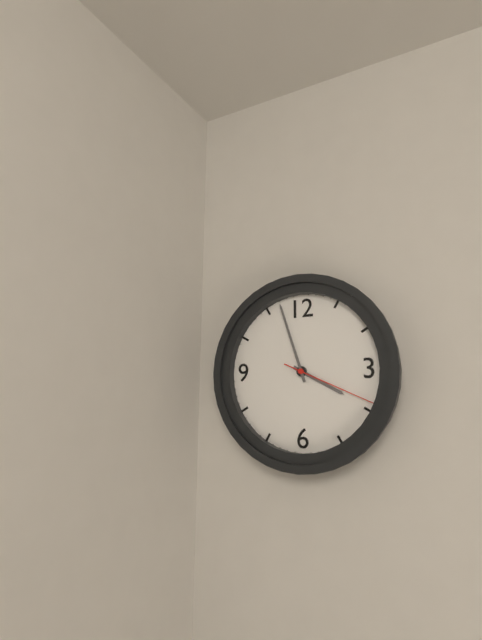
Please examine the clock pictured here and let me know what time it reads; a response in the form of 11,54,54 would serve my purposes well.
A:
3,57,19
